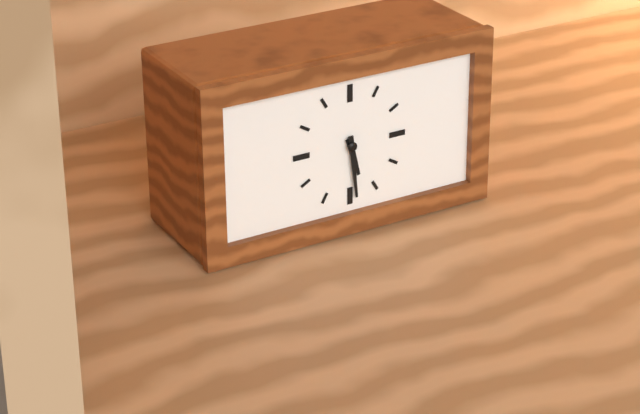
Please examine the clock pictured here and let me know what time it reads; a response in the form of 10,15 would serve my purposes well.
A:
5,29
